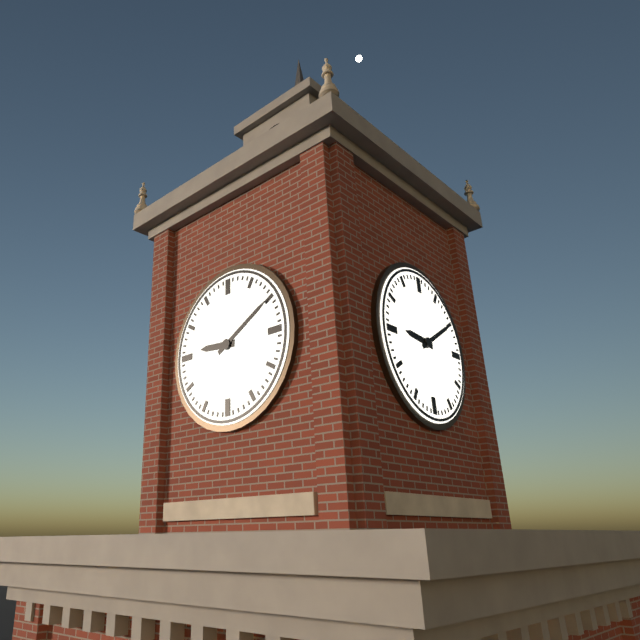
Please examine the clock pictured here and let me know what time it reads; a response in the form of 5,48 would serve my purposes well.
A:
9,10
